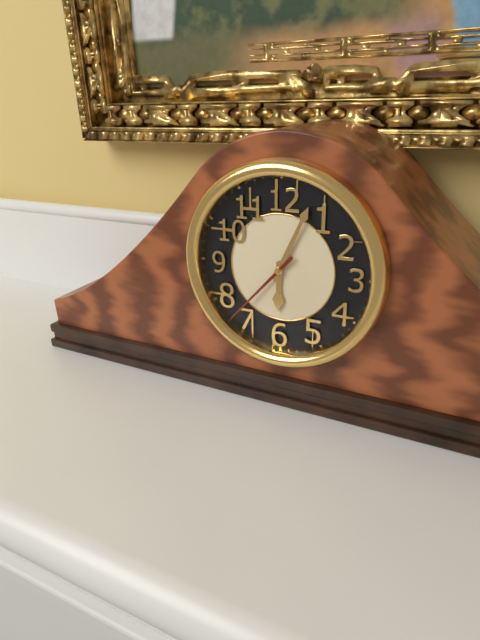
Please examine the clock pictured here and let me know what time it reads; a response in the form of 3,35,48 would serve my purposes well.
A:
6,04,37
